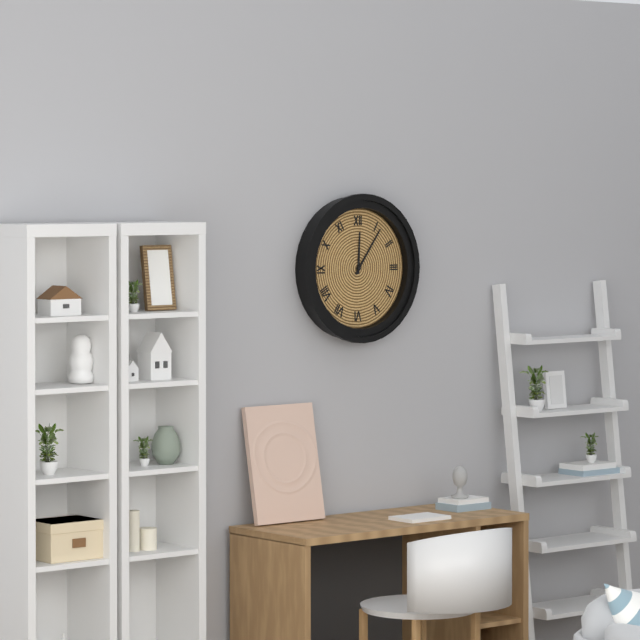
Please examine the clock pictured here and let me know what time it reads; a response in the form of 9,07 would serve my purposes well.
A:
12,06
